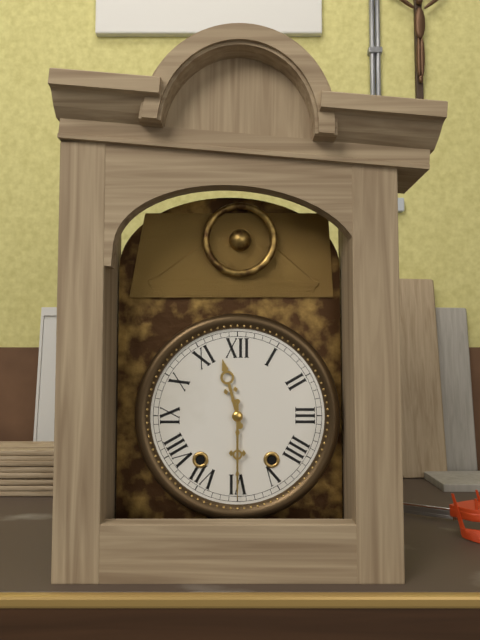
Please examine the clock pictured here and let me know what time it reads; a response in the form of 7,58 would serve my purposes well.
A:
11,30
